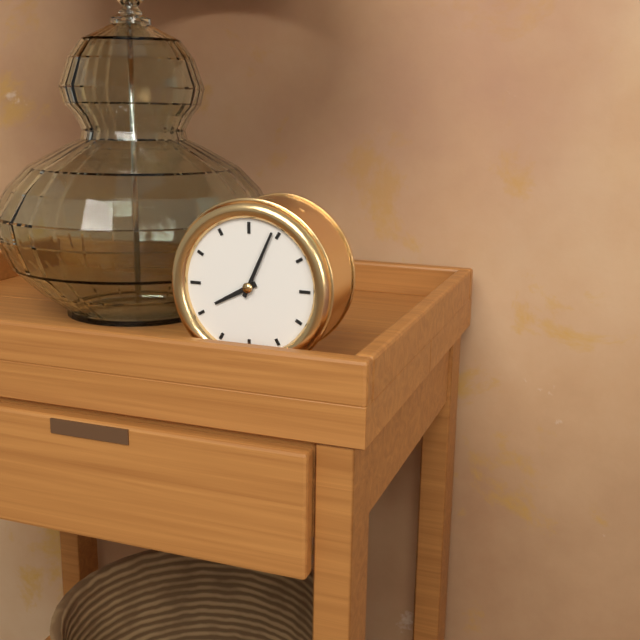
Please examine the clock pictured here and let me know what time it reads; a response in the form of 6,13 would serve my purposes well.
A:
8,04
